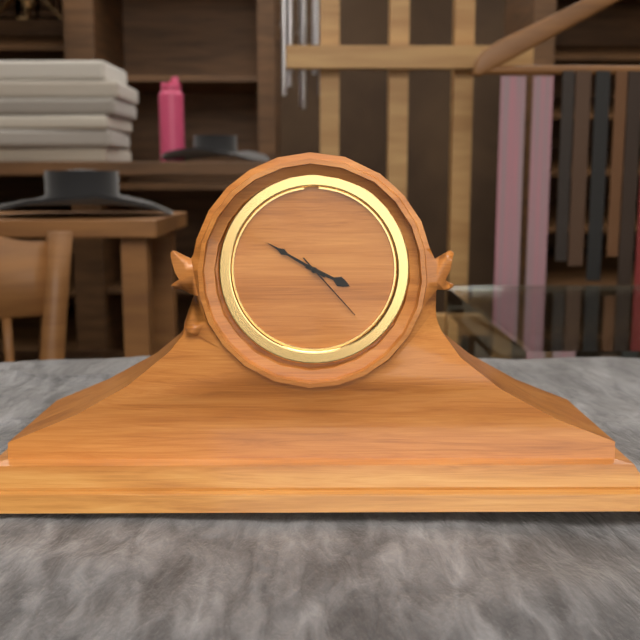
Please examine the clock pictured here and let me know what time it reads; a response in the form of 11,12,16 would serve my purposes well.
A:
3,50,23
